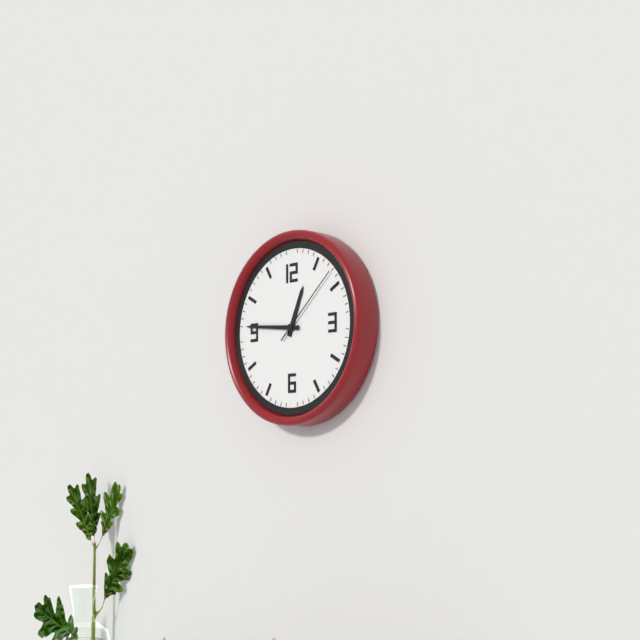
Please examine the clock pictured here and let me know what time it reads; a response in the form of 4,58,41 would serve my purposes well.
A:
12,46,08
